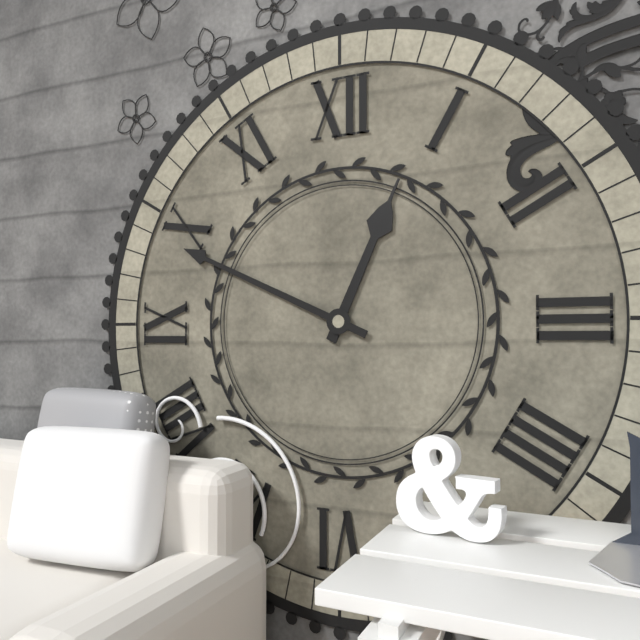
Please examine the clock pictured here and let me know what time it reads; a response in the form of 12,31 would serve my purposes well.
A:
12,49
